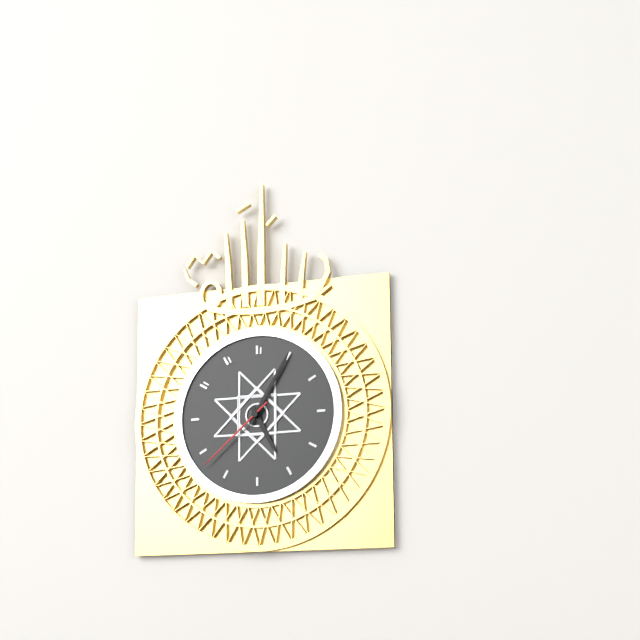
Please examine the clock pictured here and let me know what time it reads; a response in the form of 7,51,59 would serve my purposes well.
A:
5,05,38
